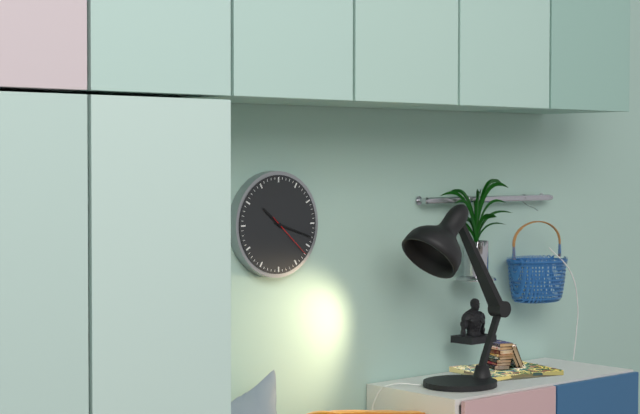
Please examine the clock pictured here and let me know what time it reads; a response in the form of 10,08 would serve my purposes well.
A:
10,18
